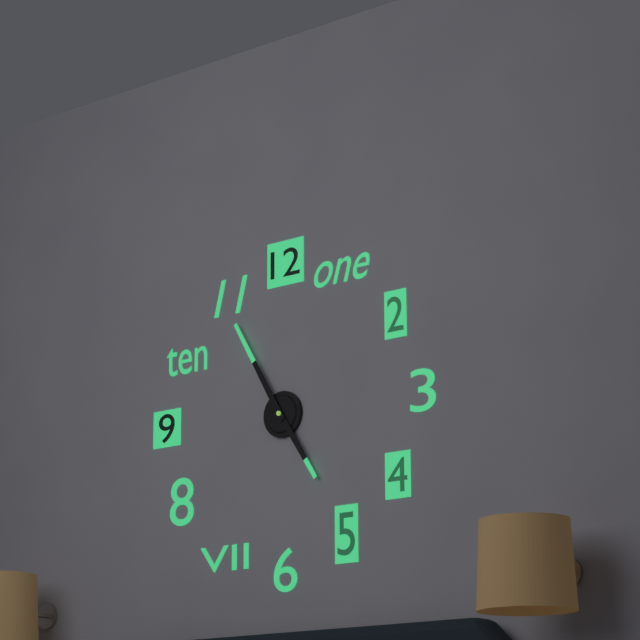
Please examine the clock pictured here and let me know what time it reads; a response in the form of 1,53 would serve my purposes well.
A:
4,55
